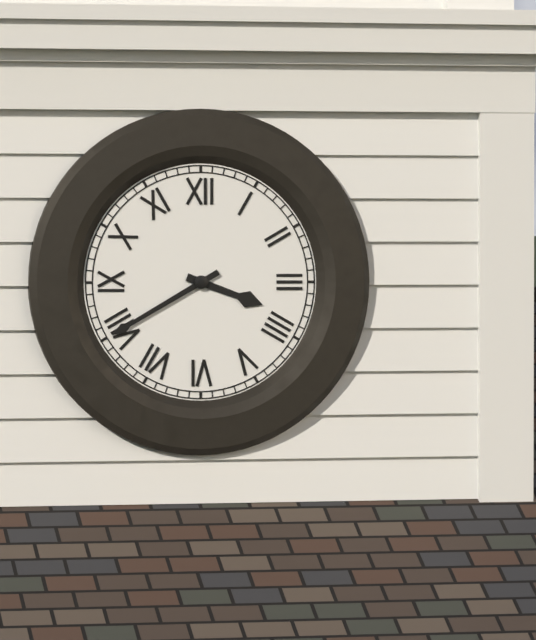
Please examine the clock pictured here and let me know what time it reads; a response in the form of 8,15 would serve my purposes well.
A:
3,40
